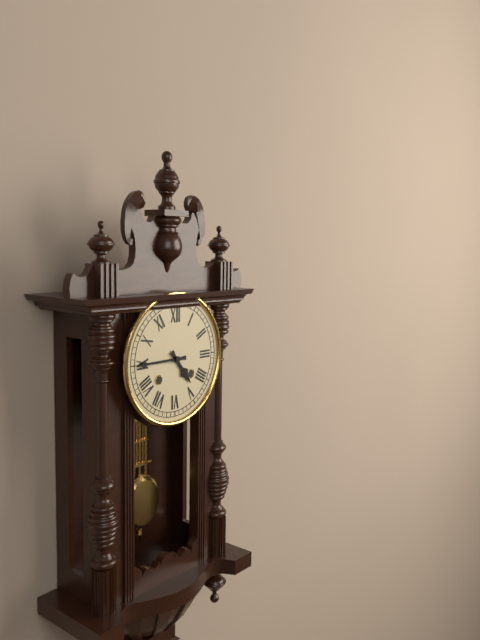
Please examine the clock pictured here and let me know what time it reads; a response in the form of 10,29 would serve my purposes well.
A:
4,45
